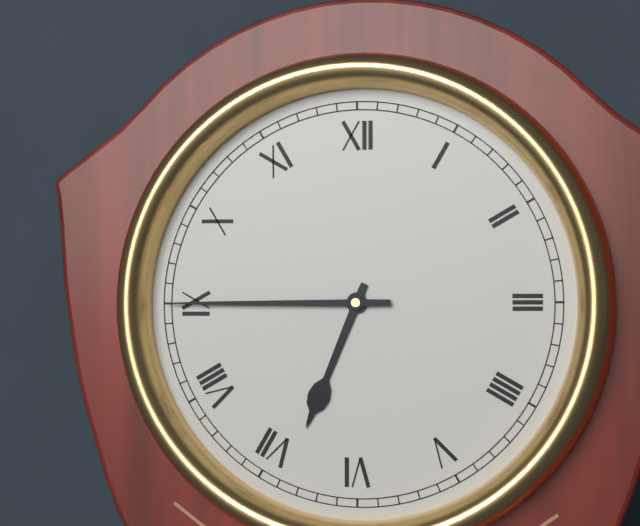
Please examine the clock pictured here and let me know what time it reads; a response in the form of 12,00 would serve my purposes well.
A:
6,45
